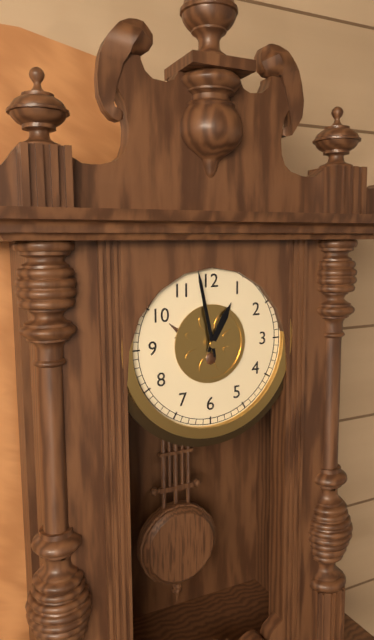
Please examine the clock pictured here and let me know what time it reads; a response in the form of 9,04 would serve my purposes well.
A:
12,58
